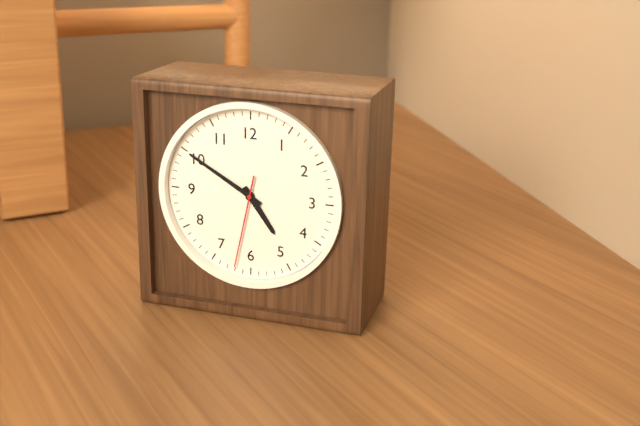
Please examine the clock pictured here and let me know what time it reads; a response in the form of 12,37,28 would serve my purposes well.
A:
4,50,32
